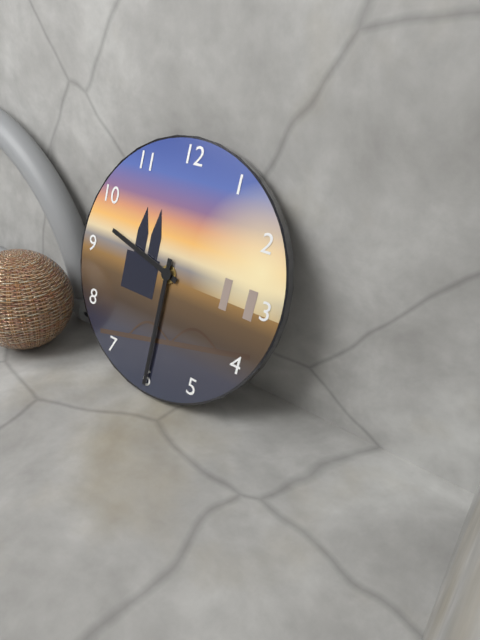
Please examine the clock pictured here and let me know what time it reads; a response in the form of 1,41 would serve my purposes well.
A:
9,30
